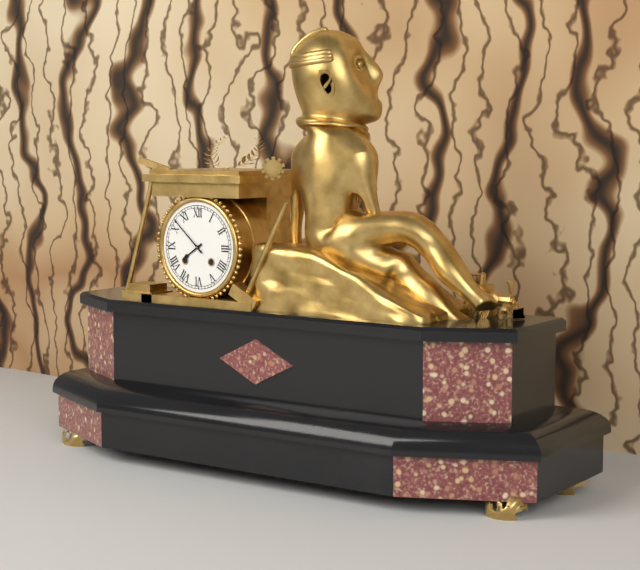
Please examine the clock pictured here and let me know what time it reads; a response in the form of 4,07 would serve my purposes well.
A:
7,52
